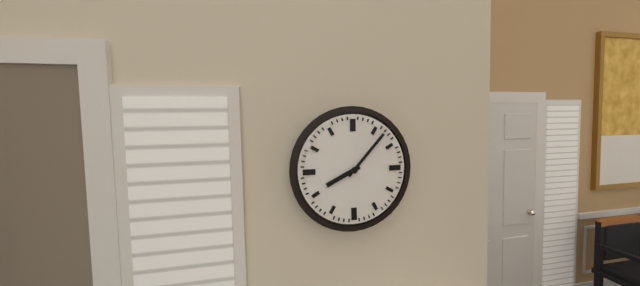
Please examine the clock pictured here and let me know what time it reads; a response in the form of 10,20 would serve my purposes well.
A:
8,07
